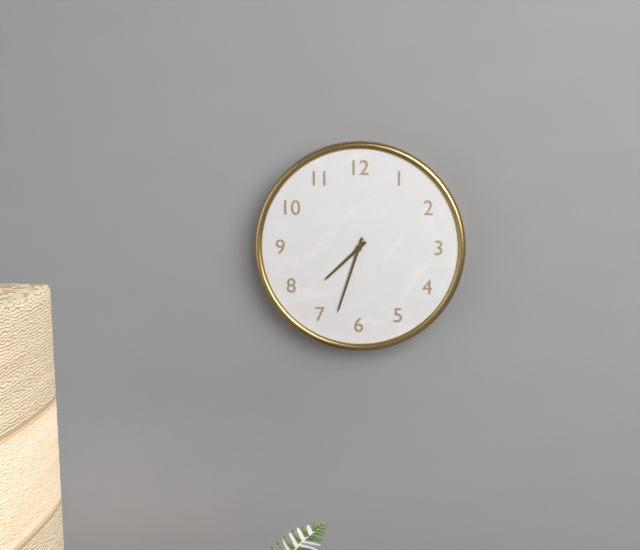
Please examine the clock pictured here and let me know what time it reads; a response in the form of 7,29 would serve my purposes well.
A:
7,33
